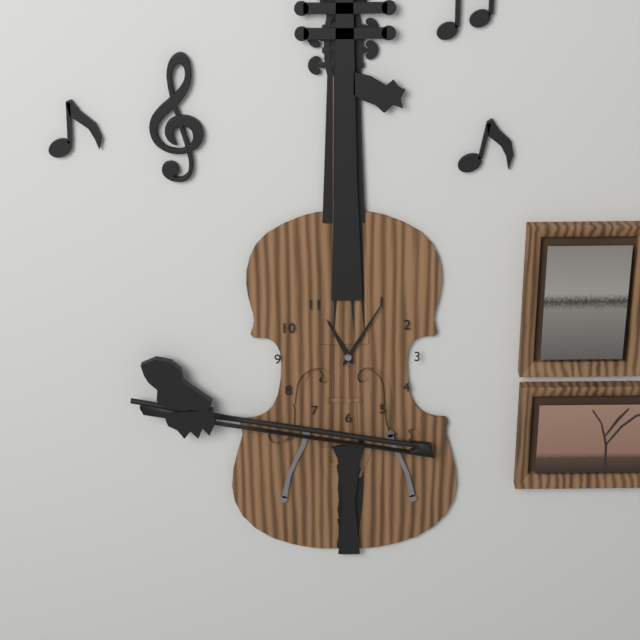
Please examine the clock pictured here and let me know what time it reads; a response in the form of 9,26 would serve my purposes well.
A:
11,05
